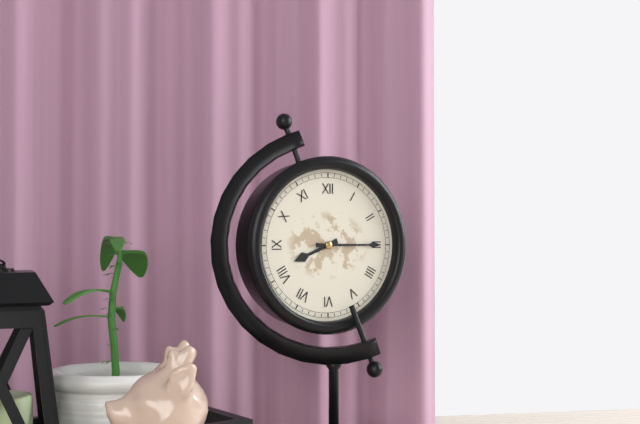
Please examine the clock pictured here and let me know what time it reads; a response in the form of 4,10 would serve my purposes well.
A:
8,15
